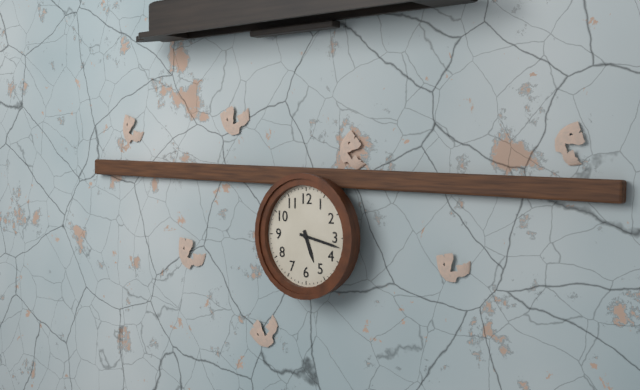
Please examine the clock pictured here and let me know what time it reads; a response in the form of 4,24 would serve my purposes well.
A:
5,17
